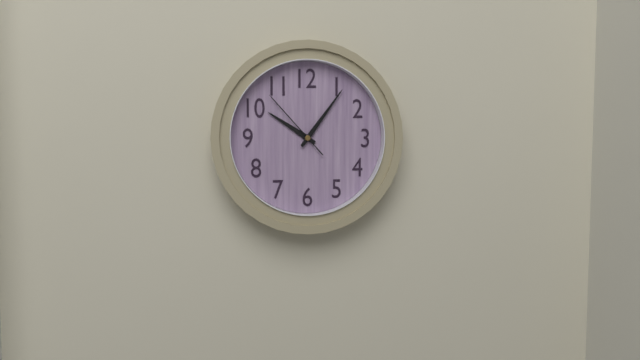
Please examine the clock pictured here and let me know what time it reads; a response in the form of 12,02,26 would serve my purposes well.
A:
10,06,53
